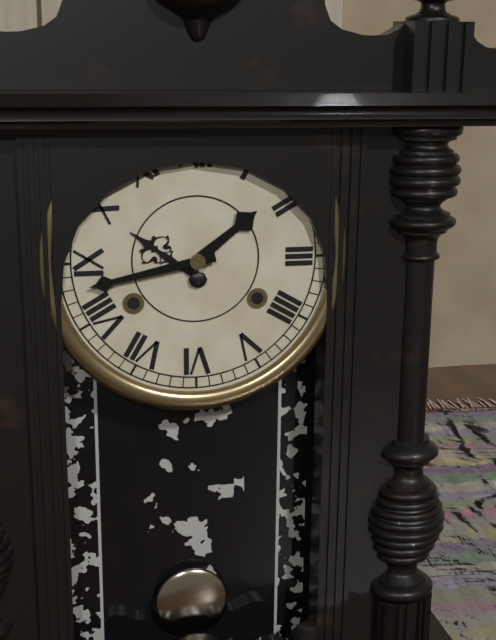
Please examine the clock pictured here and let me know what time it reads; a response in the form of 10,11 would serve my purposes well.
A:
1,43
